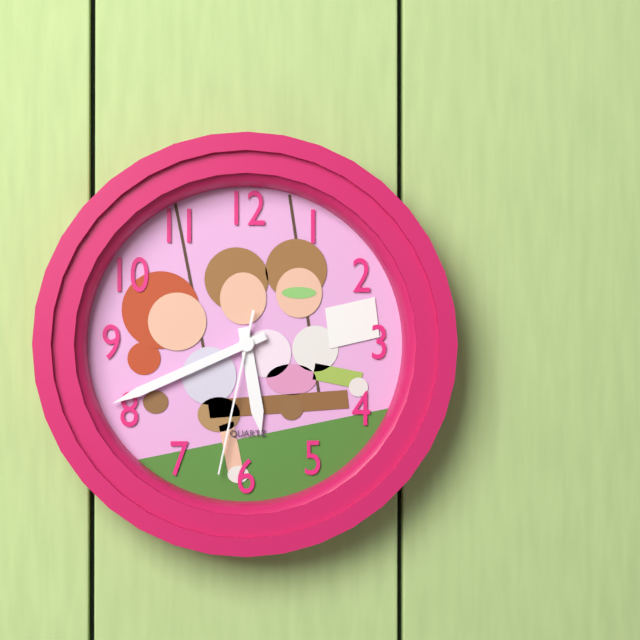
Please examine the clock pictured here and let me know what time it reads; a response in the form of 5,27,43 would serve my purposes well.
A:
5,41,32
